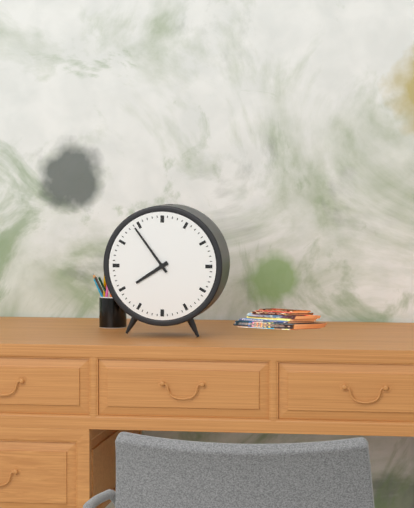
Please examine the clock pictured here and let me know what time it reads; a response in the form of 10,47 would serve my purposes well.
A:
7,54
